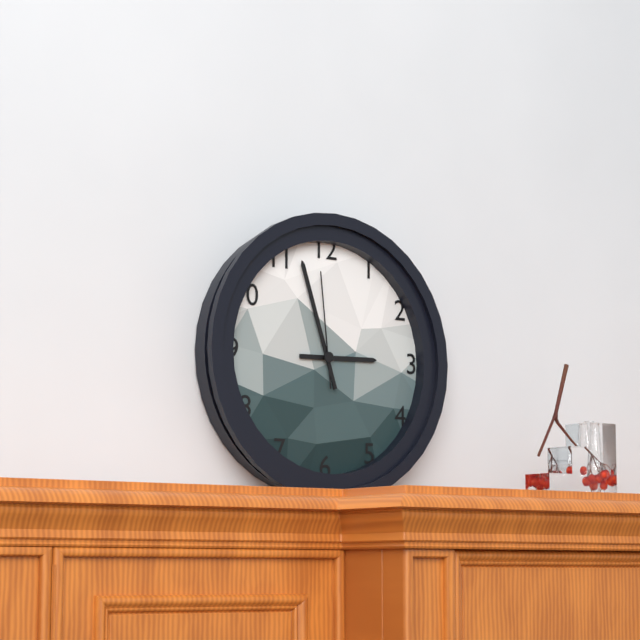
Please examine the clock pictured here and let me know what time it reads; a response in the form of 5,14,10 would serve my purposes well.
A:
2,57,59
